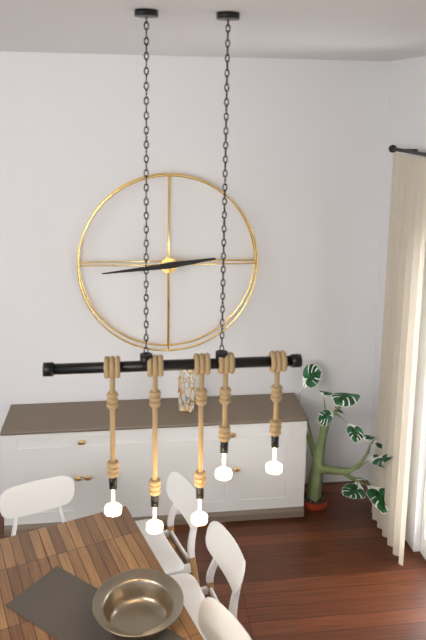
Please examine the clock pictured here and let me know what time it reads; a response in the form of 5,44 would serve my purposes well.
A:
2,44
